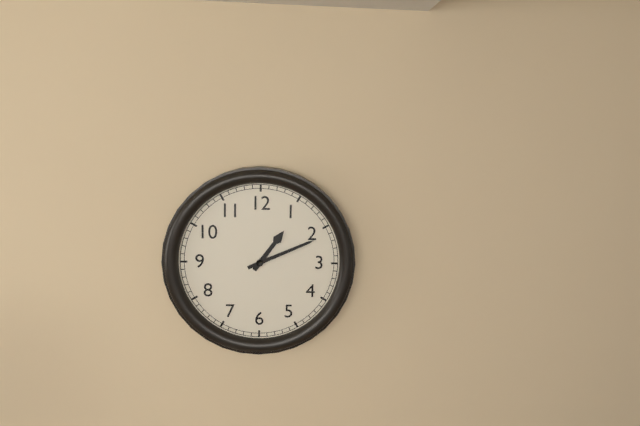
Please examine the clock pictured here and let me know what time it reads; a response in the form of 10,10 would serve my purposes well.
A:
1,11
